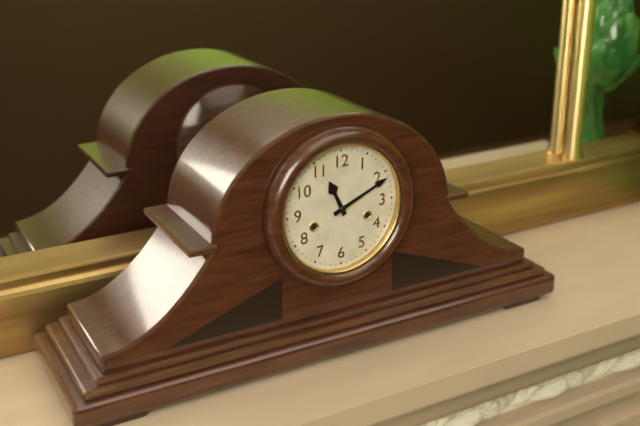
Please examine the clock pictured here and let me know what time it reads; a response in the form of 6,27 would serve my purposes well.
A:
11,11
